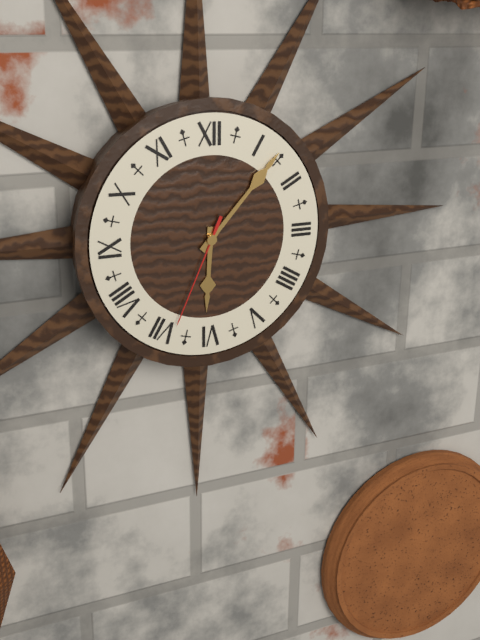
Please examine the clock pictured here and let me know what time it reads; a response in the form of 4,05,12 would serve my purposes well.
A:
6,07,34
